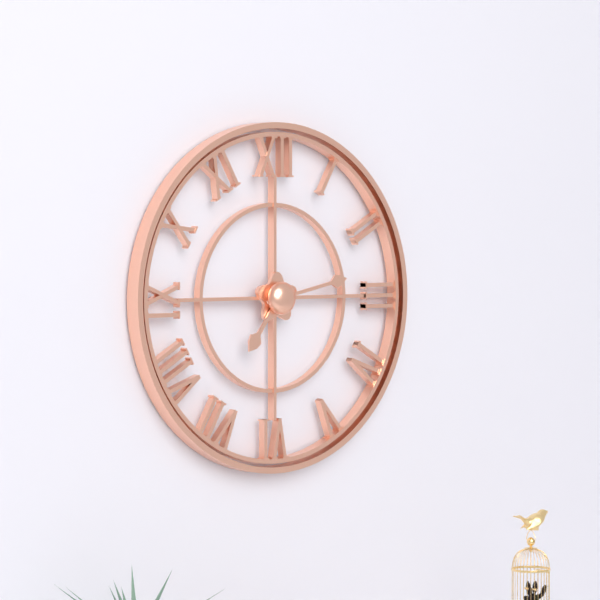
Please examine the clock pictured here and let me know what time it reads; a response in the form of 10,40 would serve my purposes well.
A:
7,13
